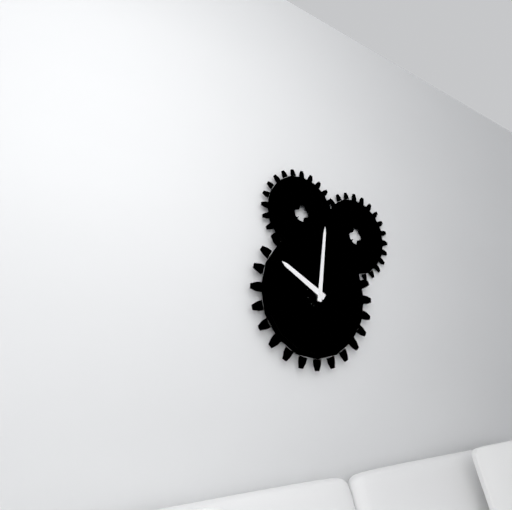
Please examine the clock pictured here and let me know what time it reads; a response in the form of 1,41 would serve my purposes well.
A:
10,01
